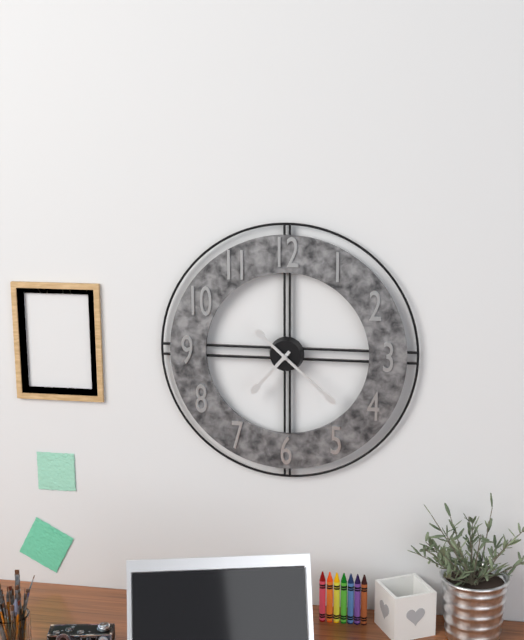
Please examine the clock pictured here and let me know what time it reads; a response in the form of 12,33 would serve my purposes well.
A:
7,22
